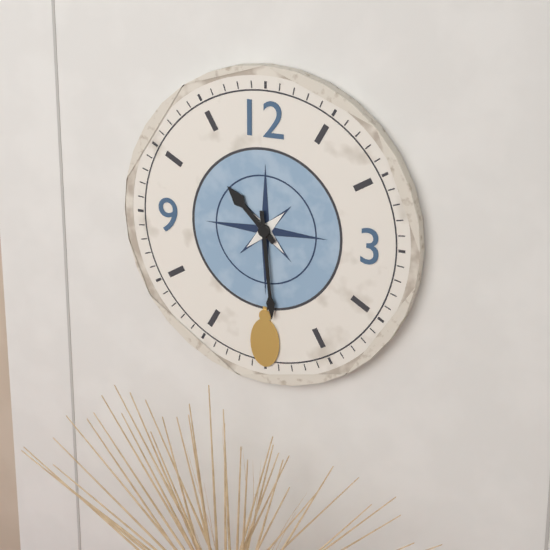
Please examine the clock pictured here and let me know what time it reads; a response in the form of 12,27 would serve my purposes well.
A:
10,29
